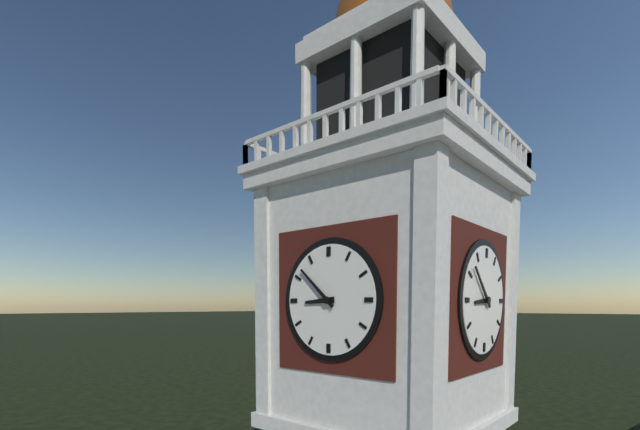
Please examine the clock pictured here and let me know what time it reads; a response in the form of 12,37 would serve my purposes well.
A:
8,52
